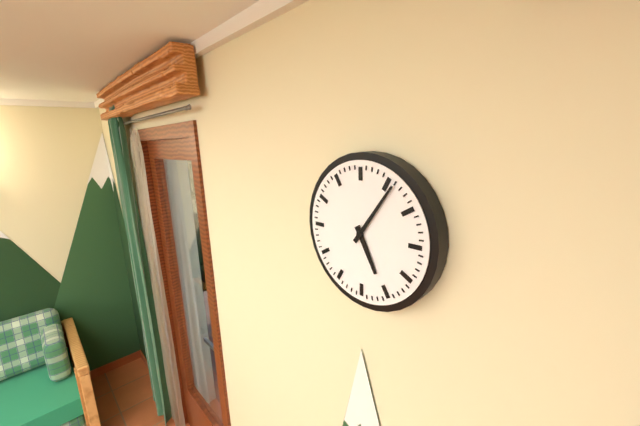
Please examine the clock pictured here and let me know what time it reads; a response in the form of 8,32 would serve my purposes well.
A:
5,06
